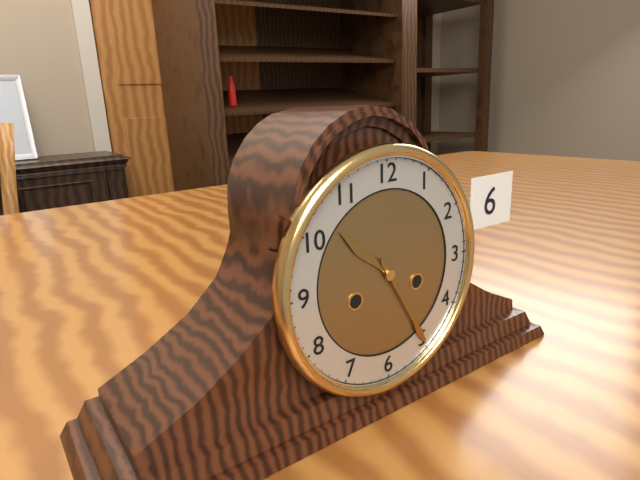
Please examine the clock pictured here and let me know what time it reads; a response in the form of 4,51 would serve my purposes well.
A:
10,25
